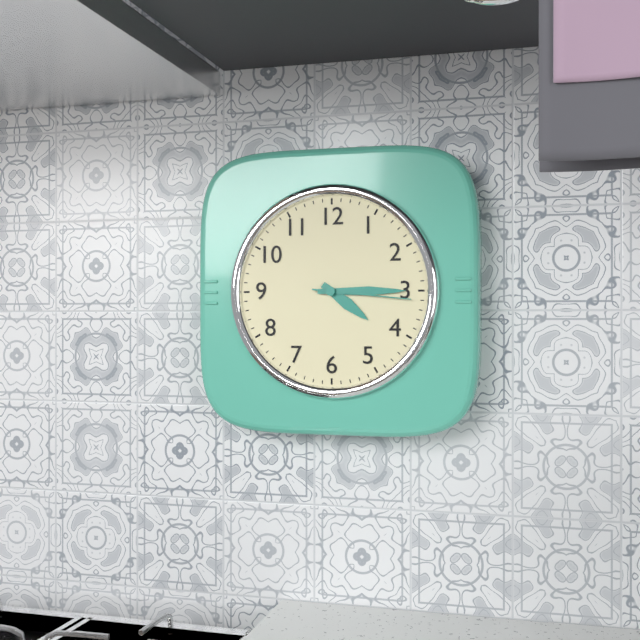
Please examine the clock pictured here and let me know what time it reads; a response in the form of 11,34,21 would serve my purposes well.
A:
4,15,16
